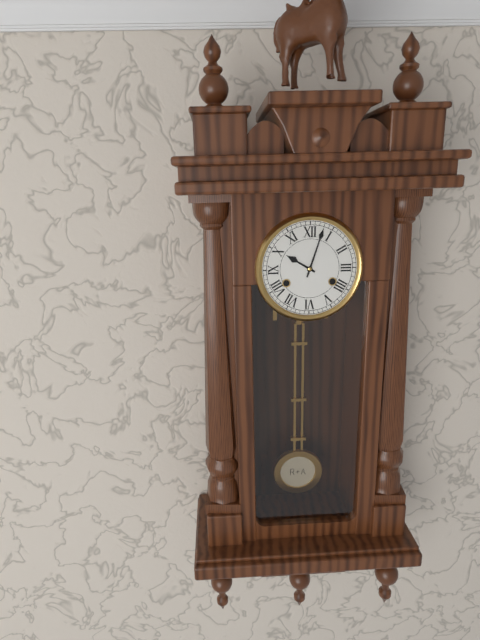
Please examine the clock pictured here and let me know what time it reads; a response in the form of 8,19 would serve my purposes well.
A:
10,03
